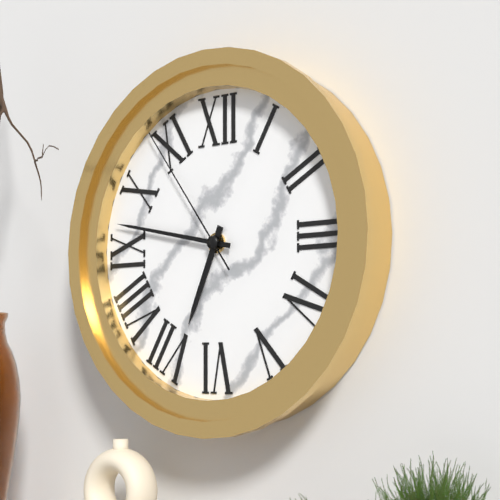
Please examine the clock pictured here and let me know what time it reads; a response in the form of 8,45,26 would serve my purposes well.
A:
6,47,54
